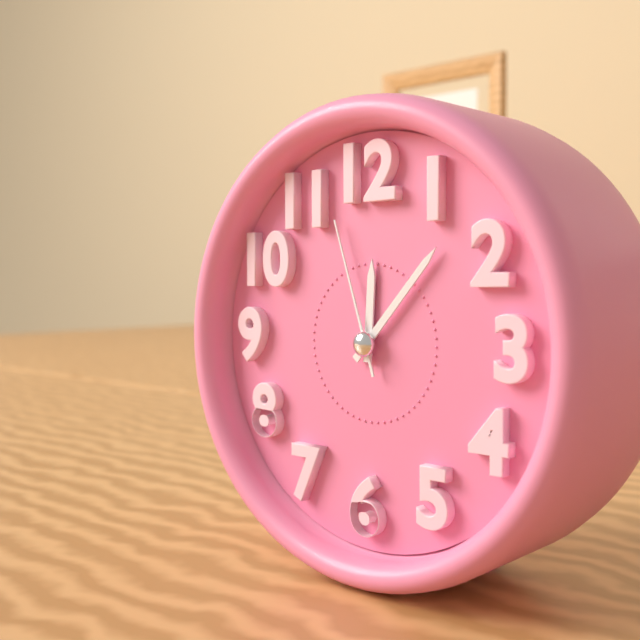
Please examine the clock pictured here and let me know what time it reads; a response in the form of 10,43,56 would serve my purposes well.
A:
12,07,57
